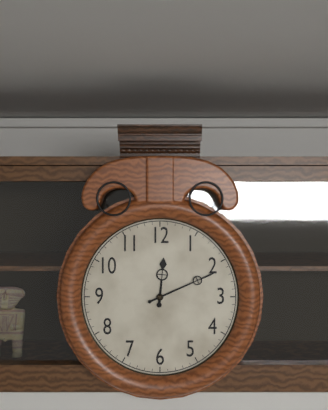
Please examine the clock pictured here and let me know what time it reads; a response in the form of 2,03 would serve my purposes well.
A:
12,11
